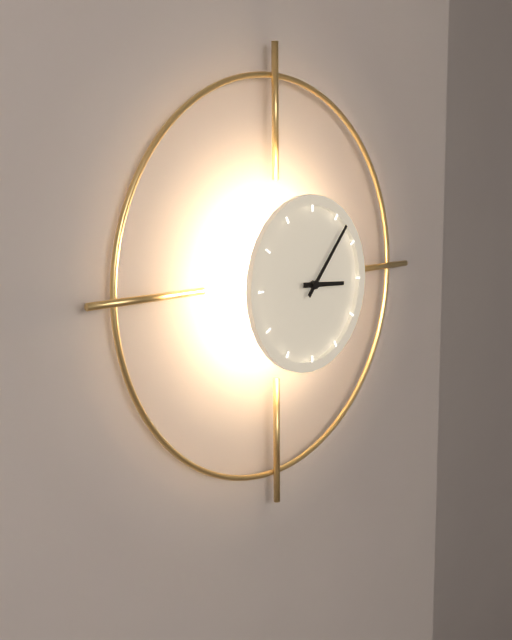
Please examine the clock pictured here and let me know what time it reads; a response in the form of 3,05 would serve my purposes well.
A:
3,07
